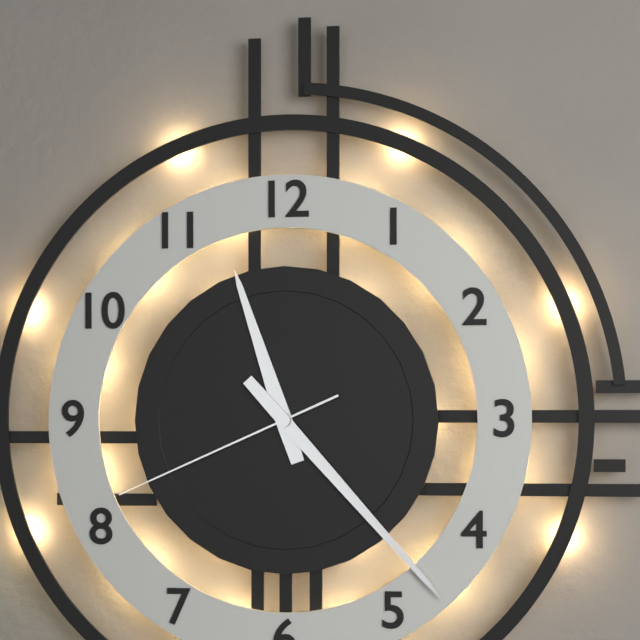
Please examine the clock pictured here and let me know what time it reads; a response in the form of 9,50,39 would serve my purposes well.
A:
11,23,41
